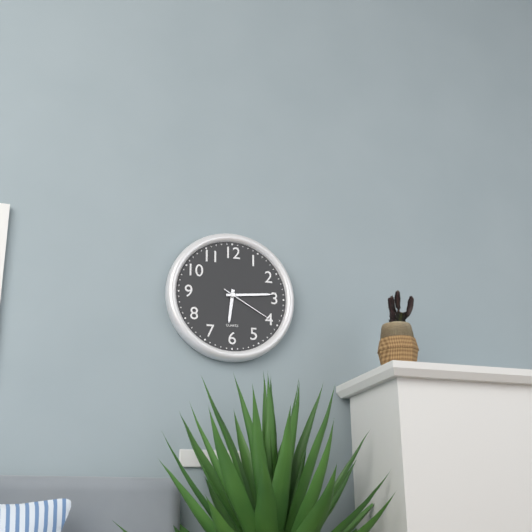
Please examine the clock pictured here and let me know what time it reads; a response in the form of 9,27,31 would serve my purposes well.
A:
6,14,20
